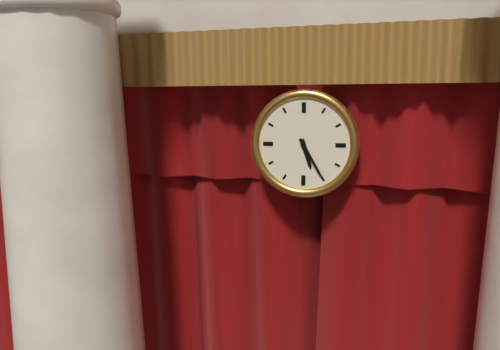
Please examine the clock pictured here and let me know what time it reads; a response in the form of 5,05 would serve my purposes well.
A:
5,25
